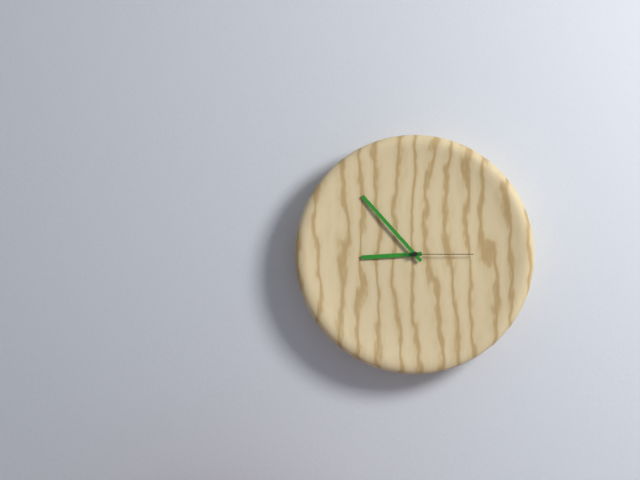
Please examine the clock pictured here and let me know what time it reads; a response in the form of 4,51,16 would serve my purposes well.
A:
8,53,15
